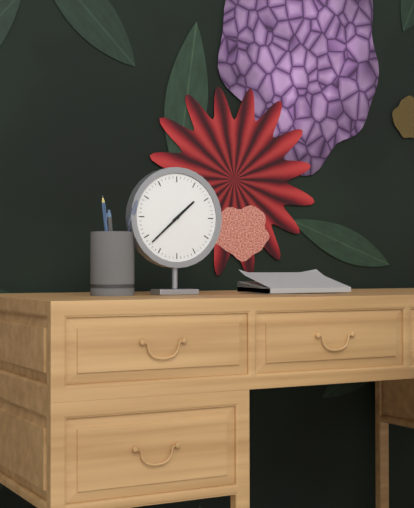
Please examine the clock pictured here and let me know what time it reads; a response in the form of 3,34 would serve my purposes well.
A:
1,38
